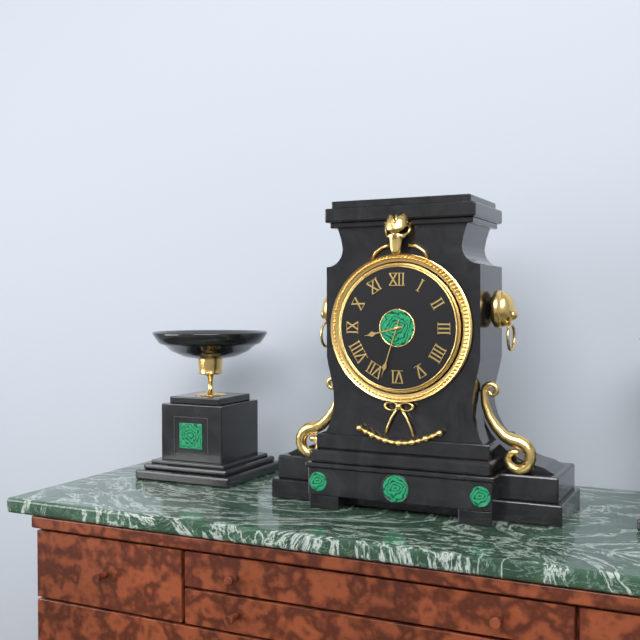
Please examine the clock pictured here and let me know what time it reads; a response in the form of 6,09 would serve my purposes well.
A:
8,33
